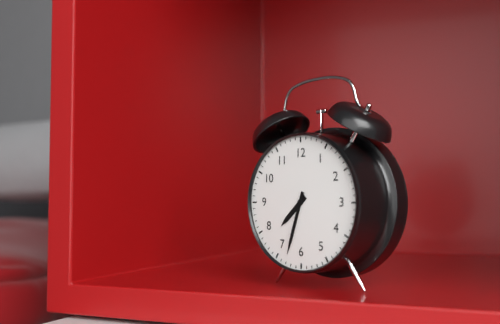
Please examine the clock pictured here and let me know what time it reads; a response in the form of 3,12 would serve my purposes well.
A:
7,33
